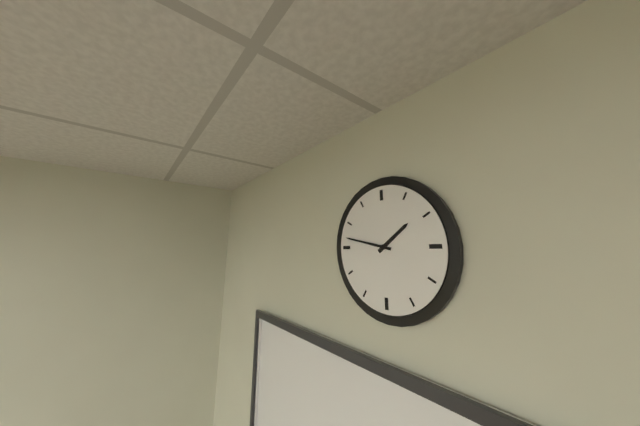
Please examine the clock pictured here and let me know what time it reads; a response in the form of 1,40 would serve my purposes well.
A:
1,47
